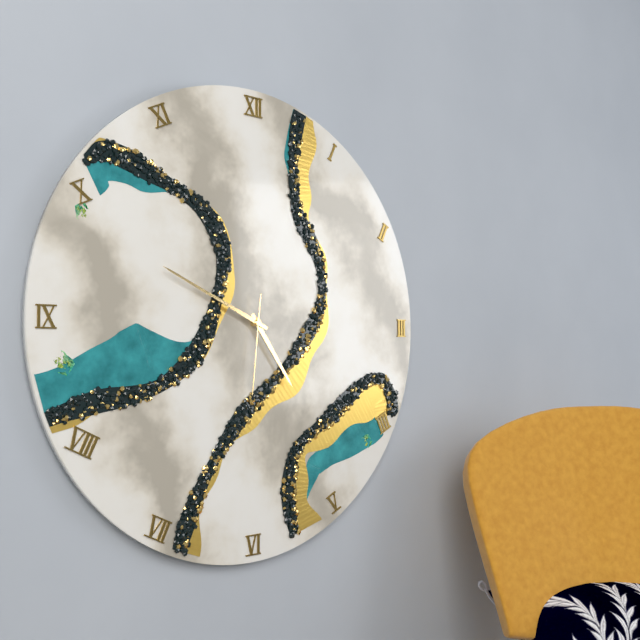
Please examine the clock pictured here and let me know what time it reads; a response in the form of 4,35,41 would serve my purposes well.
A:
4,49,31
